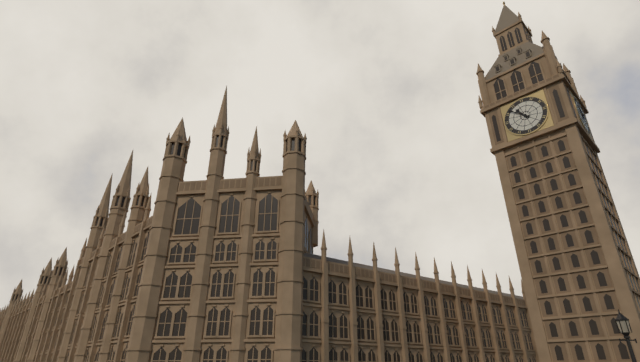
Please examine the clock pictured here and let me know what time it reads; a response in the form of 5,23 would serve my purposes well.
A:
10,52
